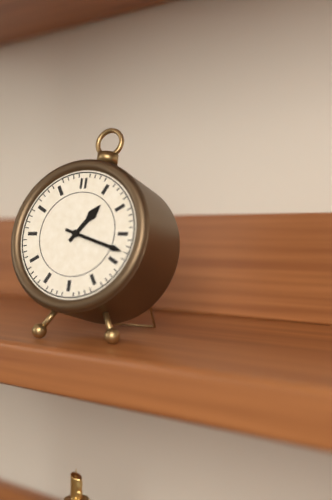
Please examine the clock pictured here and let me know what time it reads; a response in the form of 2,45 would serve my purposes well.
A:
1,18
